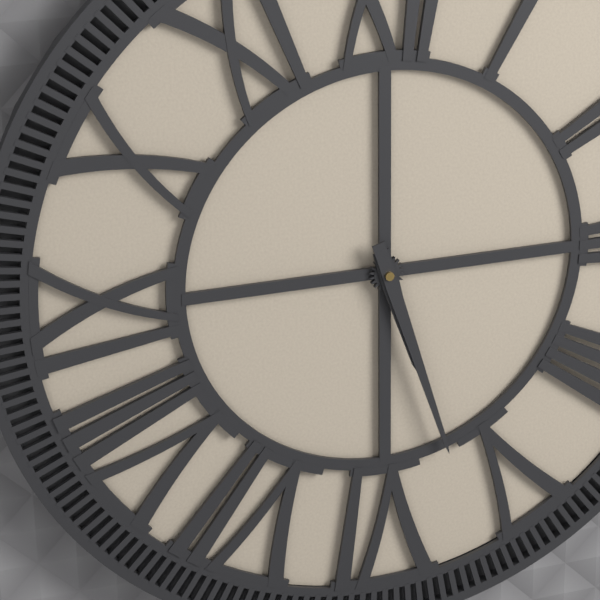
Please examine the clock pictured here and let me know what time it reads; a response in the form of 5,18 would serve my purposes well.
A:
5,27
